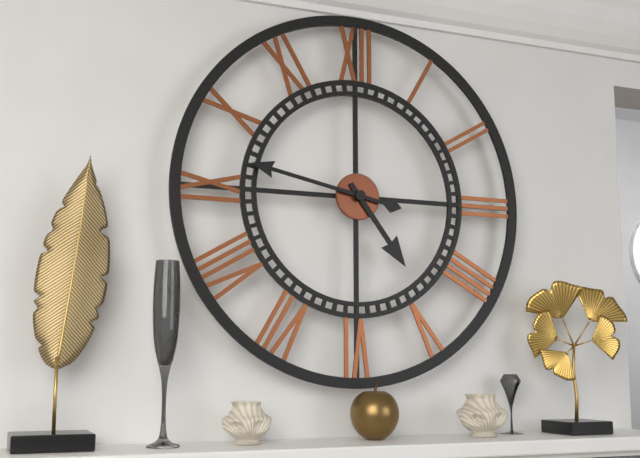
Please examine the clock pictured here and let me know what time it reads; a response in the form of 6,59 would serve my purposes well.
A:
4,47
